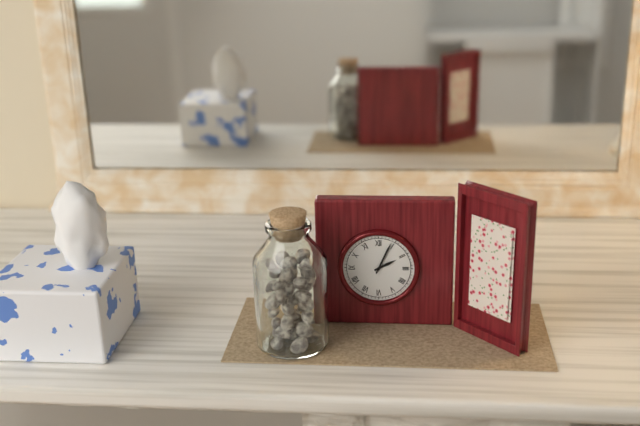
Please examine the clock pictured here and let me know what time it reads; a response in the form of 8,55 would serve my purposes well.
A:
2,04
